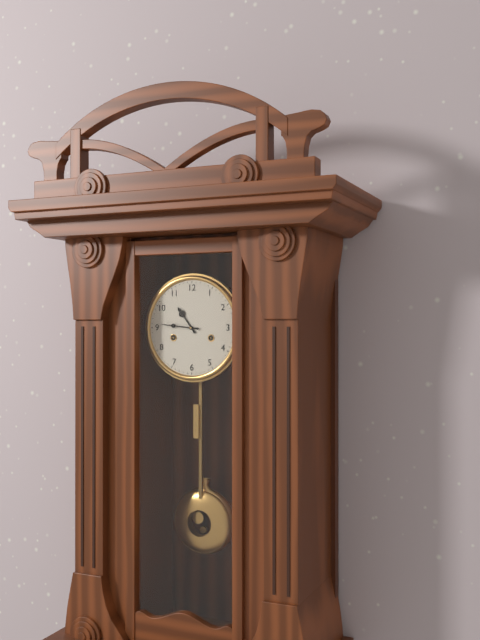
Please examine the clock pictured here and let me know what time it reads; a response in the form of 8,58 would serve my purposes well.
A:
10,46
